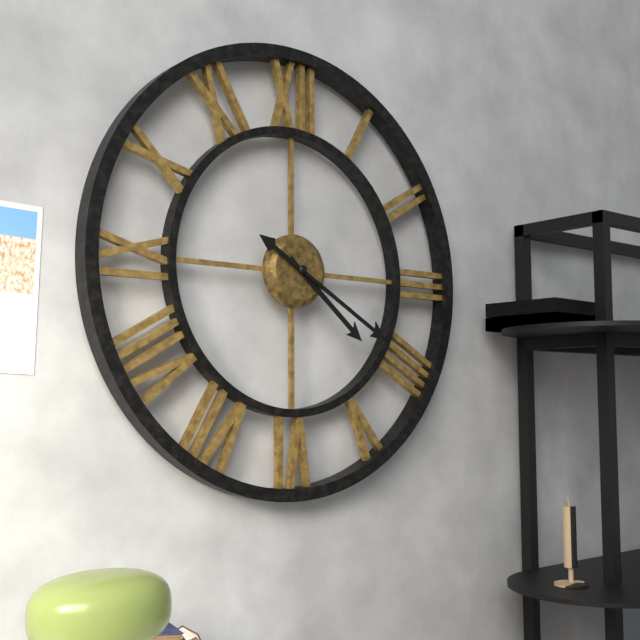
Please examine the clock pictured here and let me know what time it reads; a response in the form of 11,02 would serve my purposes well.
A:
4,20
